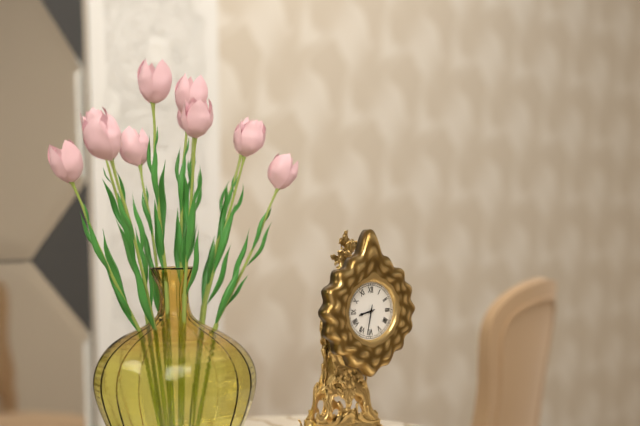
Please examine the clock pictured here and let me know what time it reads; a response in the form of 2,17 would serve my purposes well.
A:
8,32
